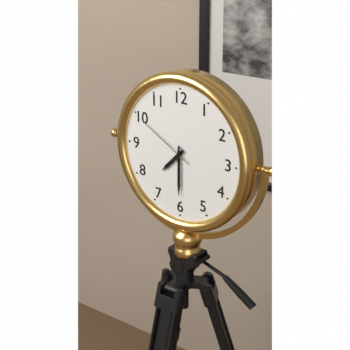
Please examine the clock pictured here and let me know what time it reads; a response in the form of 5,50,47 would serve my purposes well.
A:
7,30,50
